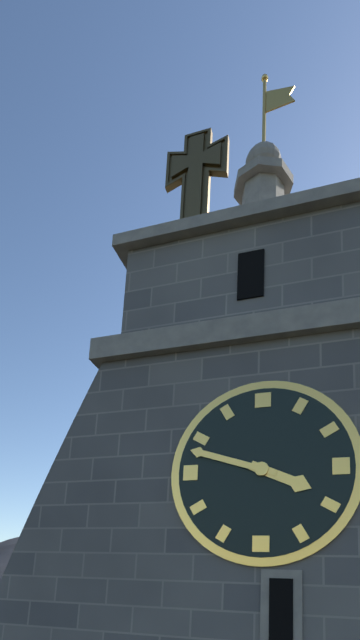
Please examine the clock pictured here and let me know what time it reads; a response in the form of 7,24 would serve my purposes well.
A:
3,48
